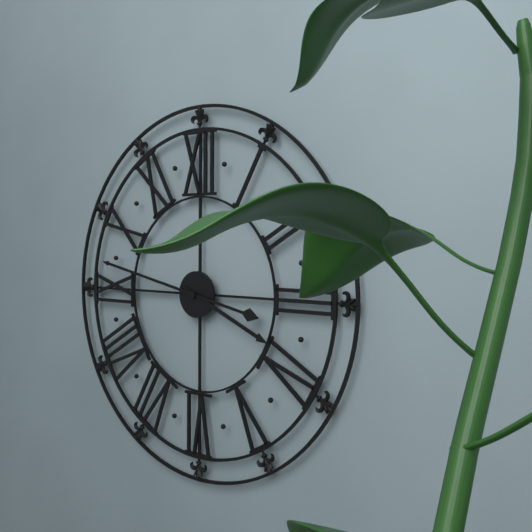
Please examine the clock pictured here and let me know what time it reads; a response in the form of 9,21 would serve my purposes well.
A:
3,47
